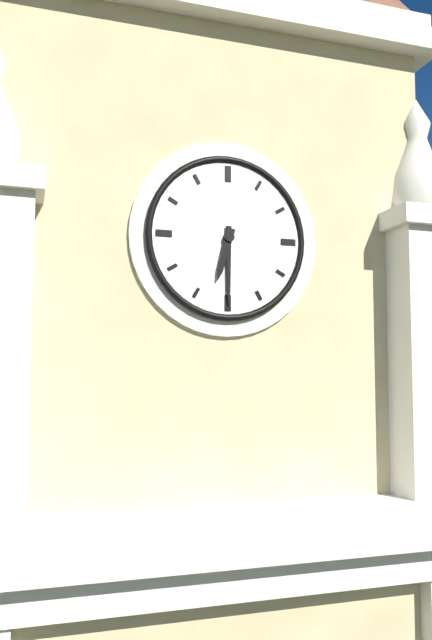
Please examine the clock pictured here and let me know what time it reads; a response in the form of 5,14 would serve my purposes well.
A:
6,30
